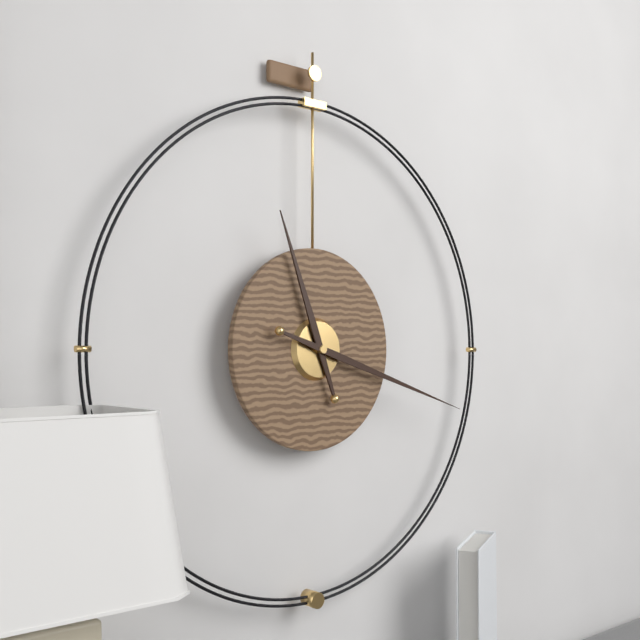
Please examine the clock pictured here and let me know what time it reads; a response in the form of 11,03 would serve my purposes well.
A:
11,18
